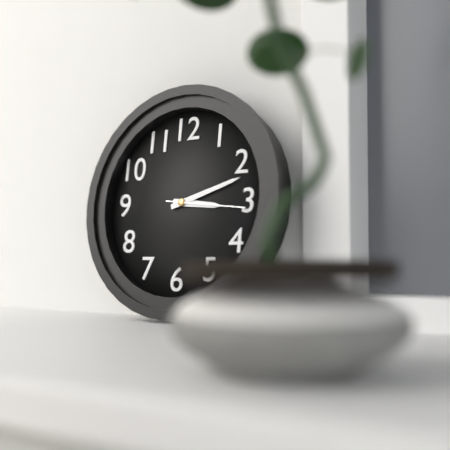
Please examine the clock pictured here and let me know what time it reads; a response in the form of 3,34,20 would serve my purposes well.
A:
3,12,16
